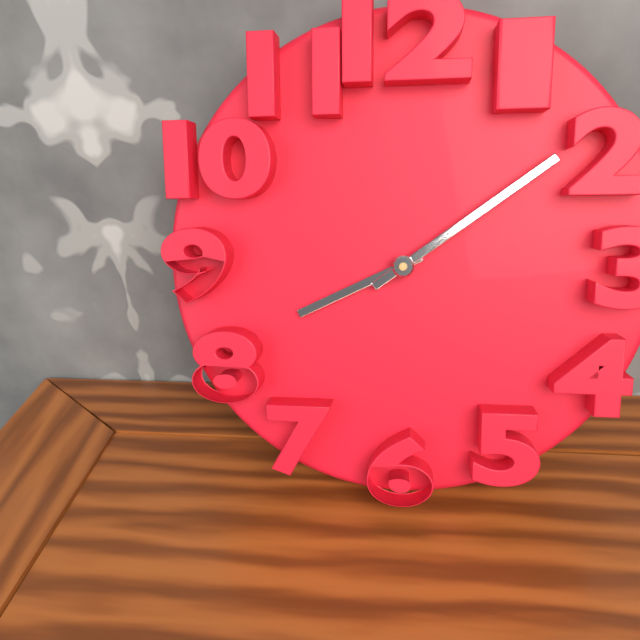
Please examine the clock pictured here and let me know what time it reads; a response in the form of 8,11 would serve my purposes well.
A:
8,09
